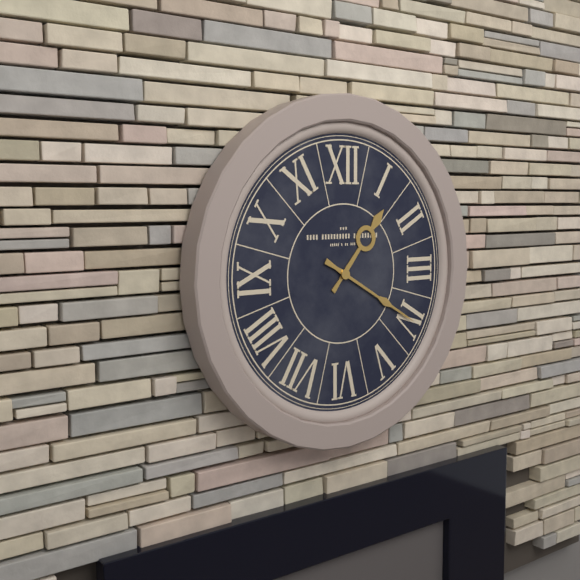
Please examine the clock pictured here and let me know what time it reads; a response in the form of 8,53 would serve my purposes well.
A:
1,20
